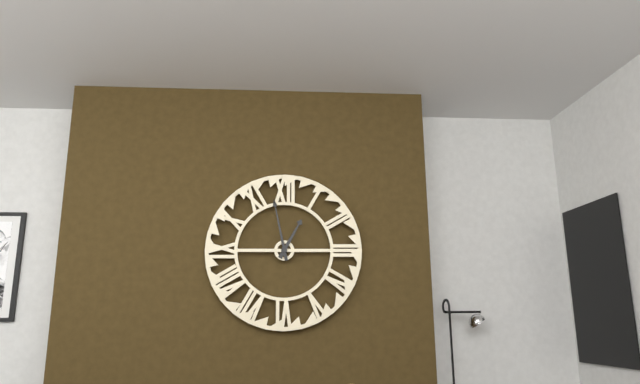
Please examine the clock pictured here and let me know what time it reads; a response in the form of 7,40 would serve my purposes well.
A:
12,58
